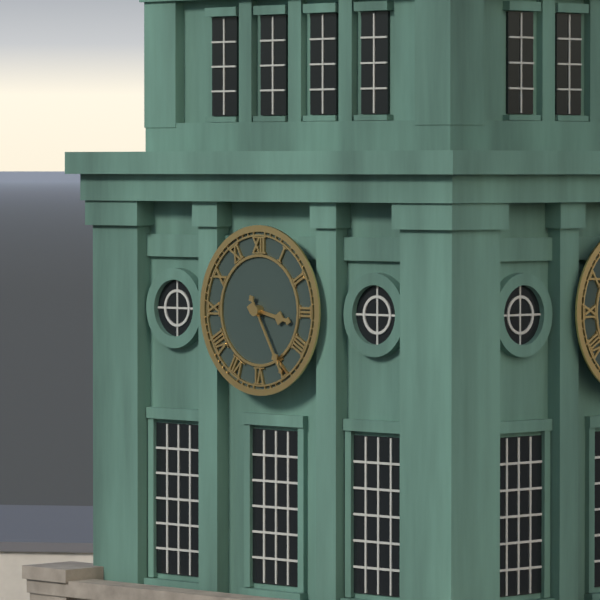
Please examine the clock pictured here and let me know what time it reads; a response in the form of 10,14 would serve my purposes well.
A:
3,25
